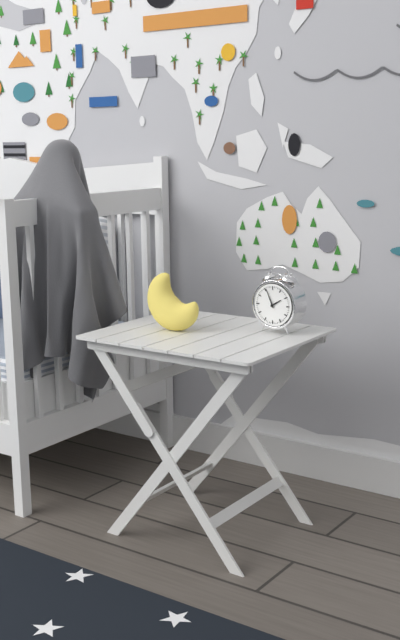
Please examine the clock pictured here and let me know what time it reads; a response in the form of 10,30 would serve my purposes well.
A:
1,56
